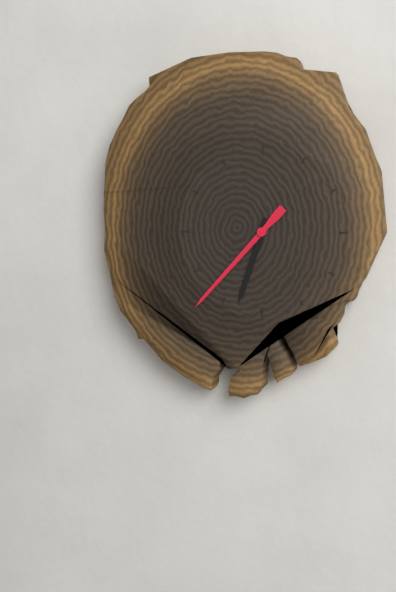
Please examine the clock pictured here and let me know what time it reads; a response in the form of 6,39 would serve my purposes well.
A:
6,37
